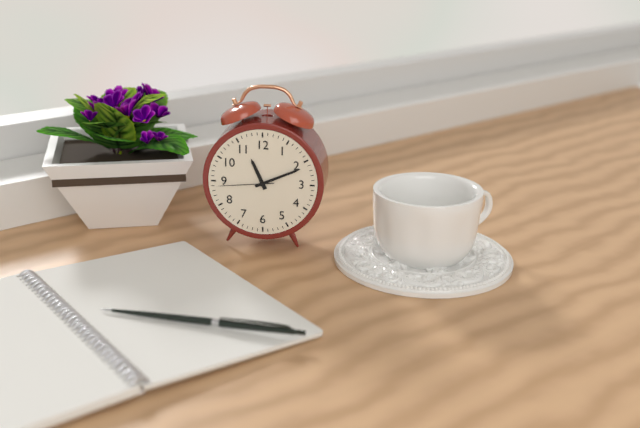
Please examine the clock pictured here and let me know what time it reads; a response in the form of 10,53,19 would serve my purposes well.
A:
11,11,44
